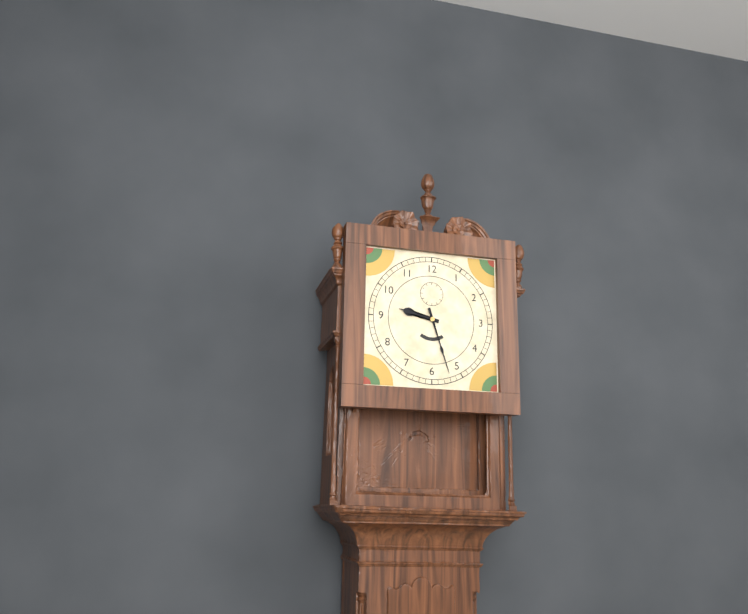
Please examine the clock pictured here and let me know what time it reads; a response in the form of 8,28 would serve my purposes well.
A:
9,27
